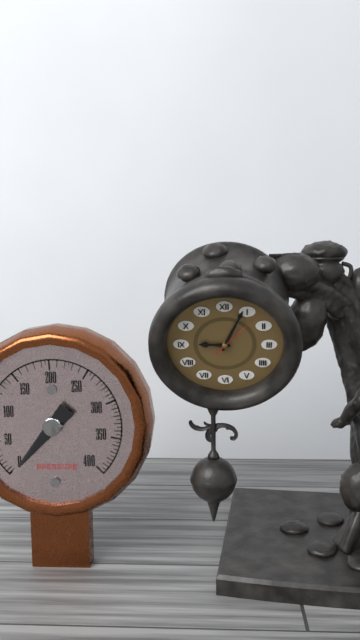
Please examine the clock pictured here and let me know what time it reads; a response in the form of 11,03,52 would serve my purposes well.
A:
9,04,07
